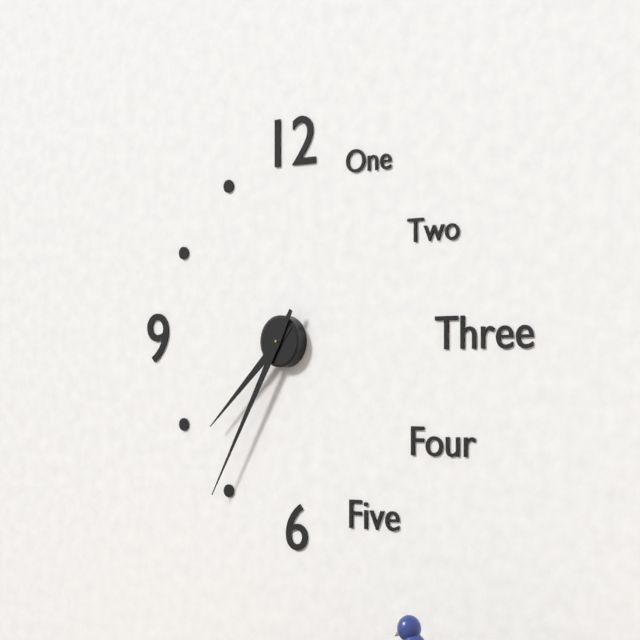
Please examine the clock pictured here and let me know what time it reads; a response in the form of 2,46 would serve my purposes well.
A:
7,35
